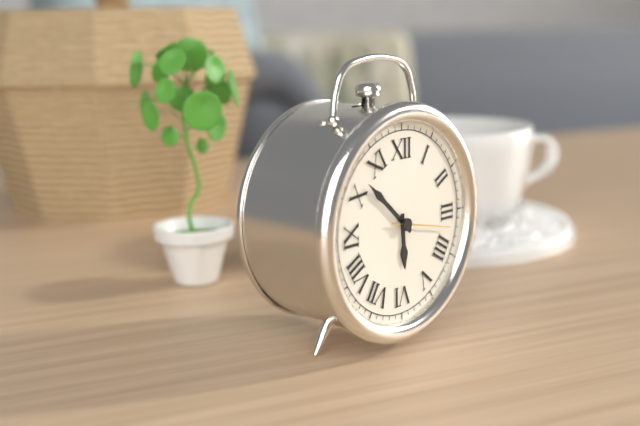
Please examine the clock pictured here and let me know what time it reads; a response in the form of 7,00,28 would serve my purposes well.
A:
5,52,17
